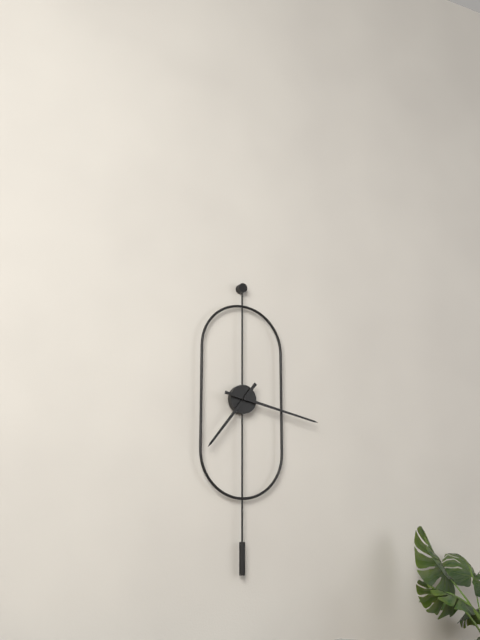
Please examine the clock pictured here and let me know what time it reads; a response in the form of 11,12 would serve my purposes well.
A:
7,17
